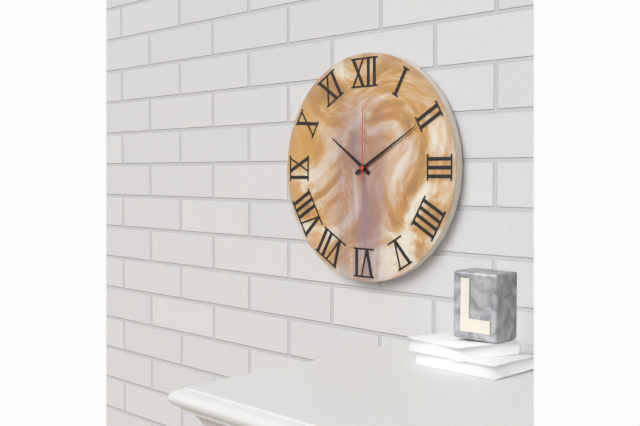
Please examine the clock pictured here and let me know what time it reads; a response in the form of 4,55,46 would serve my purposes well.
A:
10,10,00
